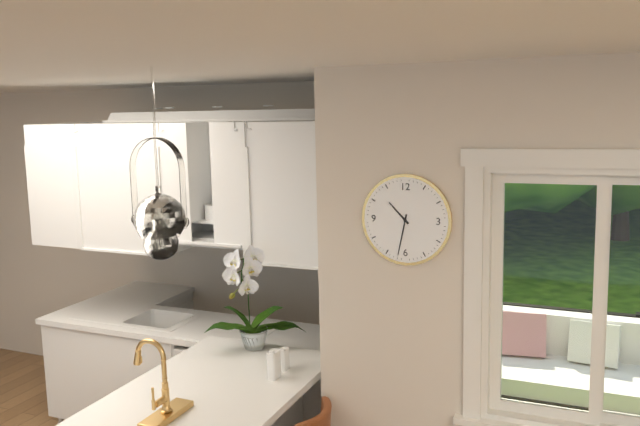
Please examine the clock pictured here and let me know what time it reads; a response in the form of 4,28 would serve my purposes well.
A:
10,32
